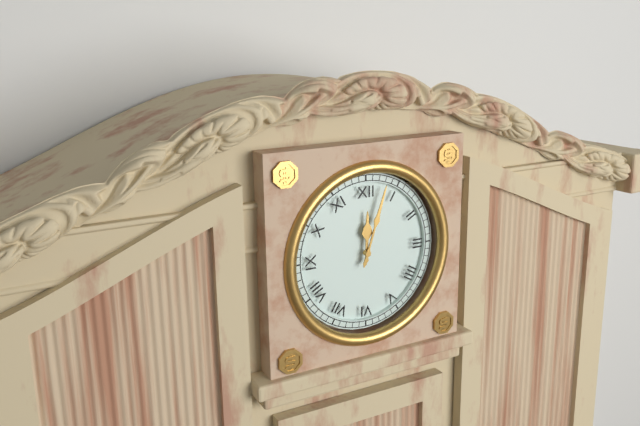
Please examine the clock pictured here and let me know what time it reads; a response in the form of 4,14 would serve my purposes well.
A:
12,03
